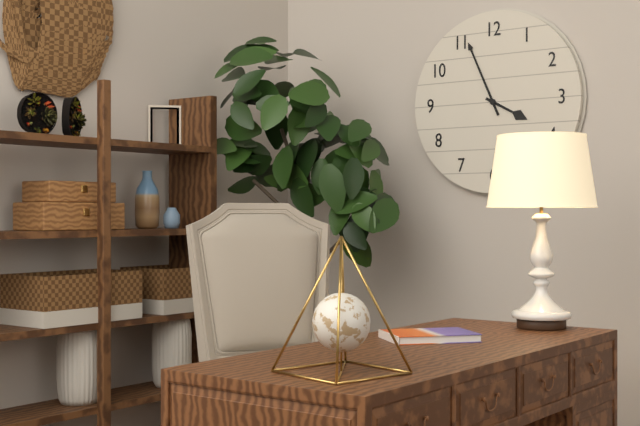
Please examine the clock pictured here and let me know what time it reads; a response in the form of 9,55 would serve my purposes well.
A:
3,56
